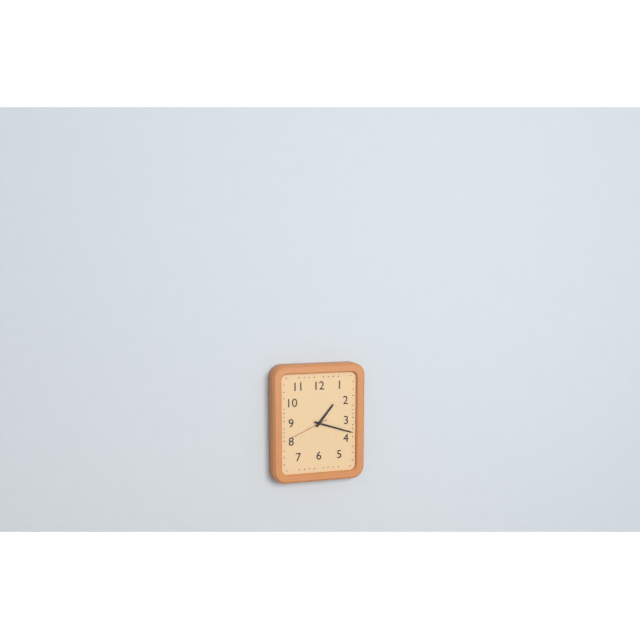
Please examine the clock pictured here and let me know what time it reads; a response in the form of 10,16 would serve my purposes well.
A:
1,18
